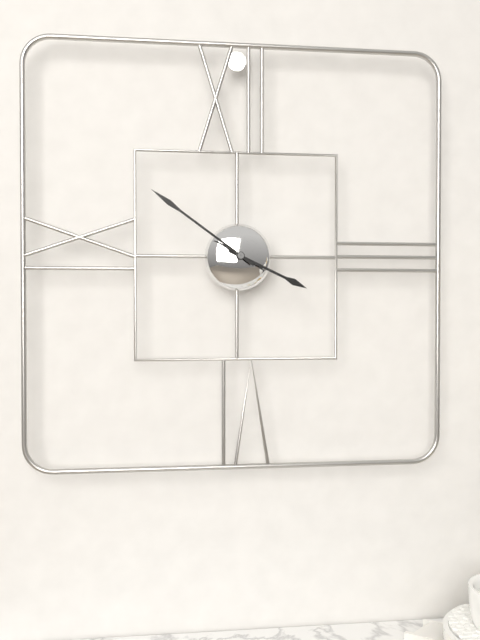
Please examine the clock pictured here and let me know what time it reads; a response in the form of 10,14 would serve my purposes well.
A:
3,51
